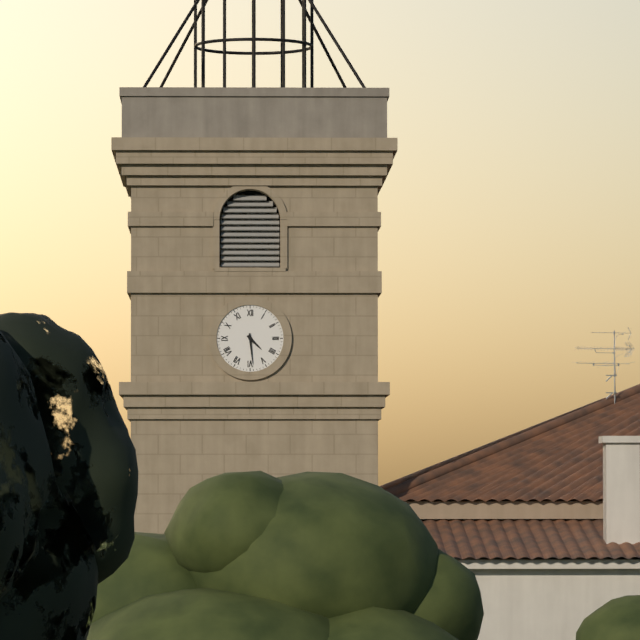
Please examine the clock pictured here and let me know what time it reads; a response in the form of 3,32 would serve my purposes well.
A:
4,29
